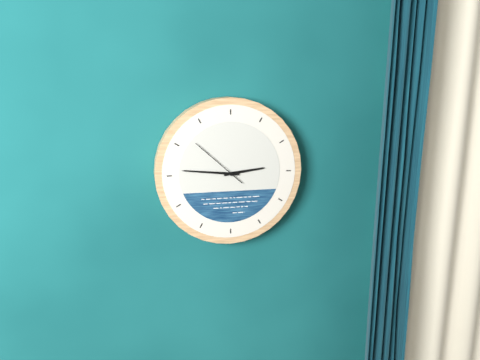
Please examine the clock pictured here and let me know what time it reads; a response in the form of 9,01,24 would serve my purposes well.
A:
2,46,52
